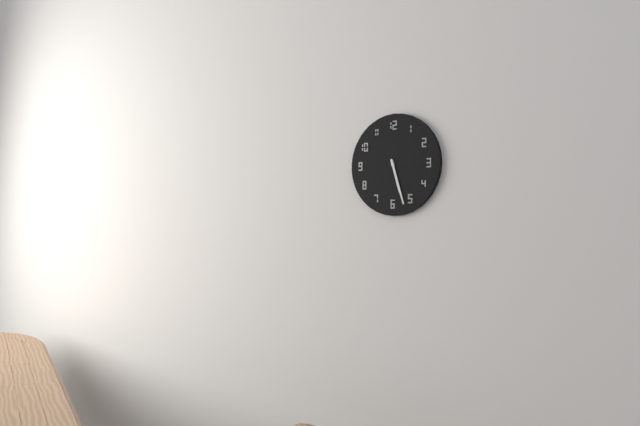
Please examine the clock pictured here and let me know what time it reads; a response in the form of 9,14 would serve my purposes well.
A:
5,27
